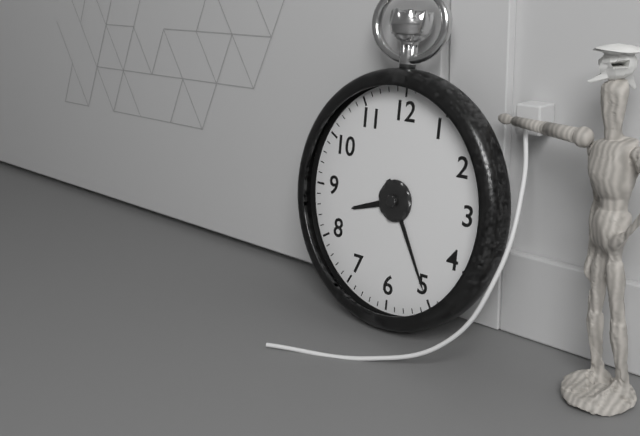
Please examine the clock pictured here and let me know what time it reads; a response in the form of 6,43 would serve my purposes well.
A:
8,25
